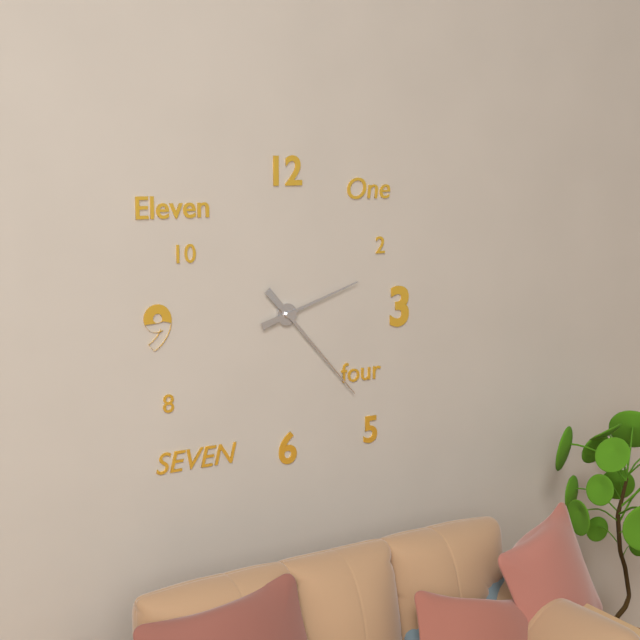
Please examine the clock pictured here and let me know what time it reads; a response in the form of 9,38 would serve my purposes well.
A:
2,23
